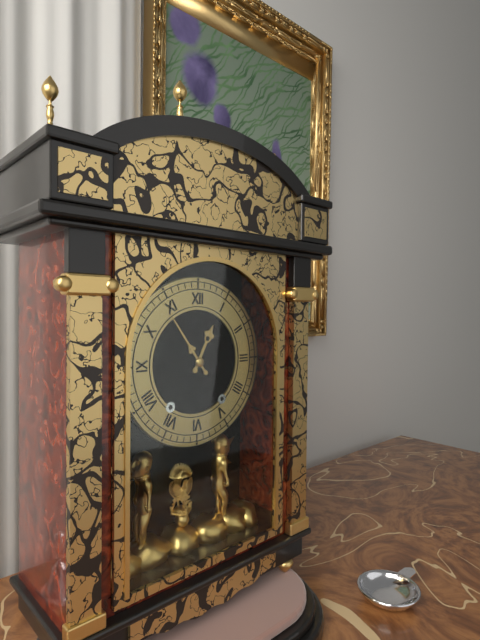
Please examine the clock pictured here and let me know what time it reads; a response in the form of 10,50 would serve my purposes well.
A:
12,54
